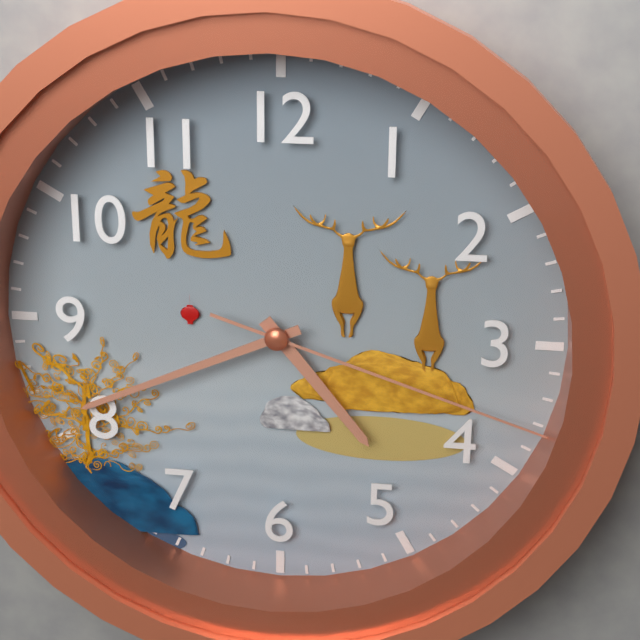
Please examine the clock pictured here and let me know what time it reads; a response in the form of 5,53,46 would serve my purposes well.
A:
4,41,18
